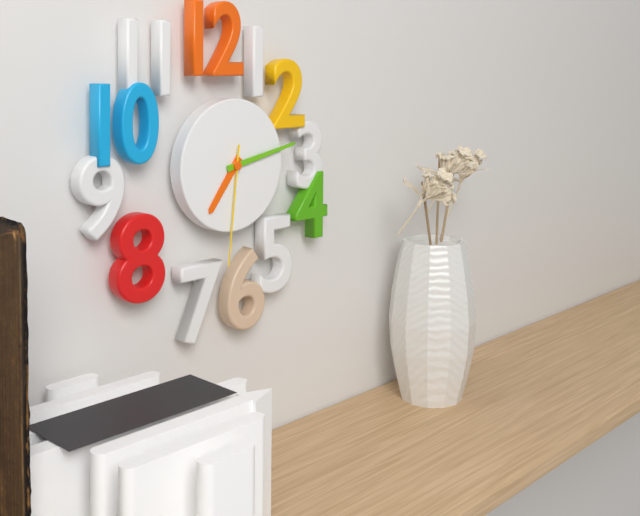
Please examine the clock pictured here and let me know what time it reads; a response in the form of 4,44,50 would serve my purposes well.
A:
7,13,31
